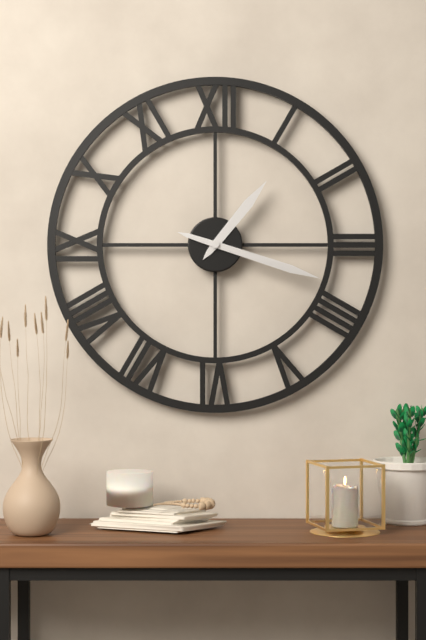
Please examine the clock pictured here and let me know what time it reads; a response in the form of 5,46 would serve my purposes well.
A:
1,18
